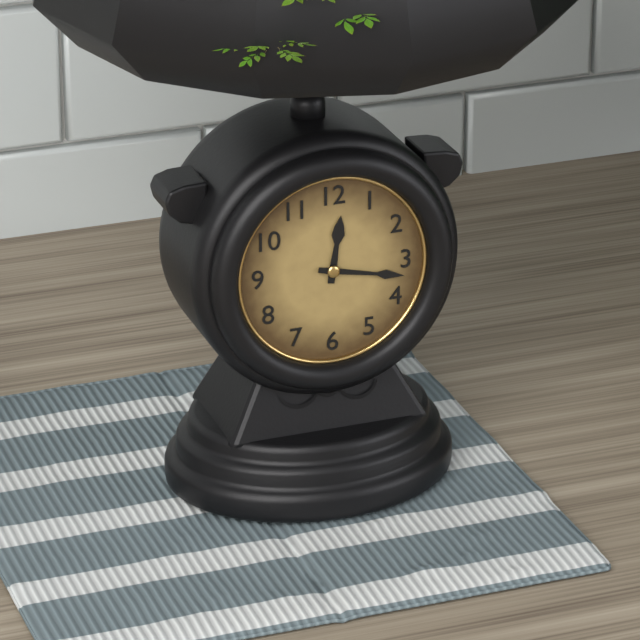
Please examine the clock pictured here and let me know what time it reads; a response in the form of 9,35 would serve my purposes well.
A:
12,17
